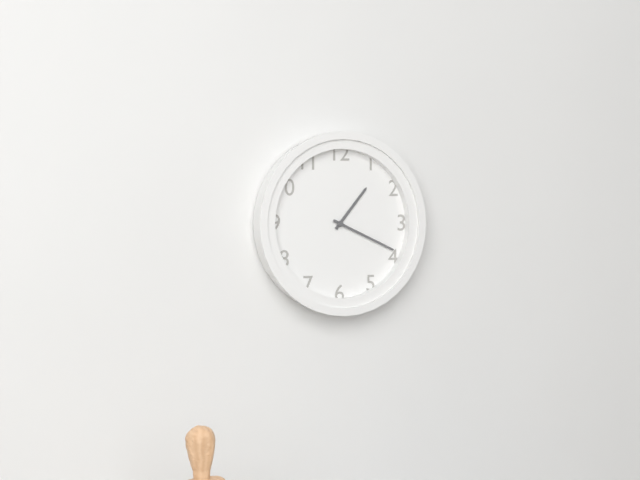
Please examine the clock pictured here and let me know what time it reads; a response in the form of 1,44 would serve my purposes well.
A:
1,19
